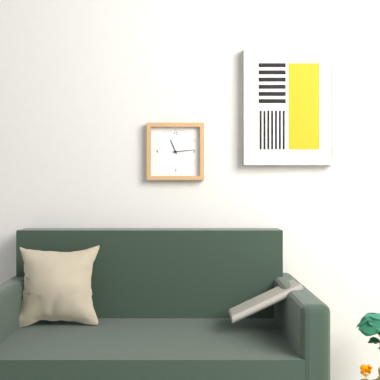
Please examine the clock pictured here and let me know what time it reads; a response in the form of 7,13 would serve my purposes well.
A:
11,14
